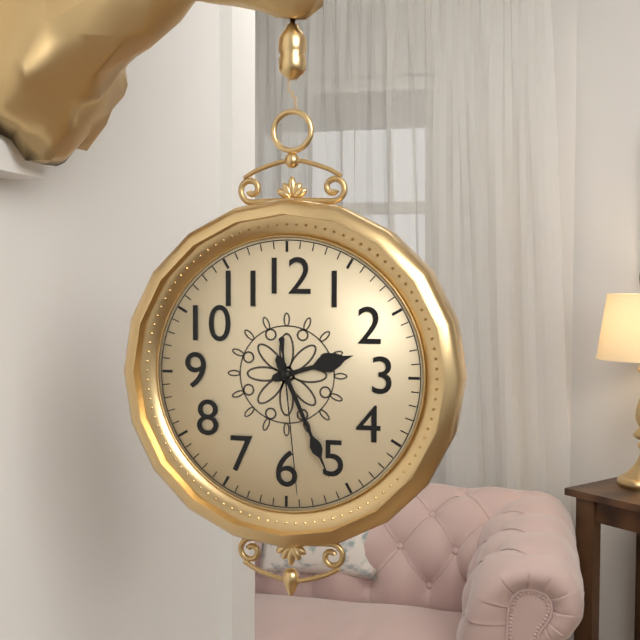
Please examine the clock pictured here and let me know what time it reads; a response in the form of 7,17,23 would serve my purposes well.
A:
2,26,29
